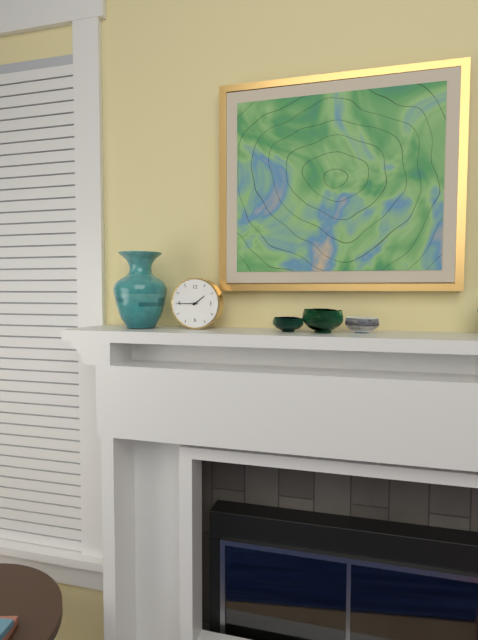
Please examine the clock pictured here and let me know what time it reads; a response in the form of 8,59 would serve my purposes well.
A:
1,45
